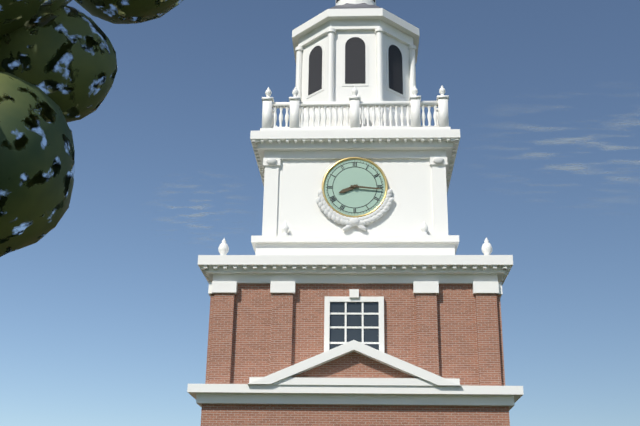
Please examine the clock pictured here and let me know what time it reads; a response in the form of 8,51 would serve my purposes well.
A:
8,16
